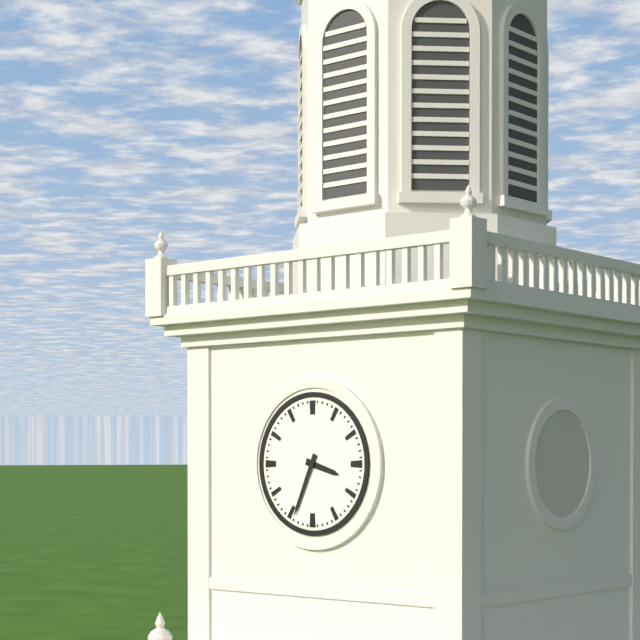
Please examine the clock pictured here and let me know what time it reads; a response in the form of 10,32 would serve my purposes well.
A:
3,34
